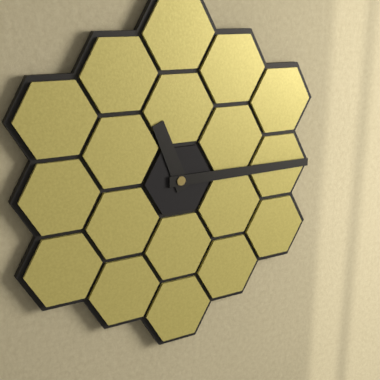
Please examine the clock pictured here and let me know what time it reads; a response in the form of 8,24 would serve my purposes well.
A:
11,15
